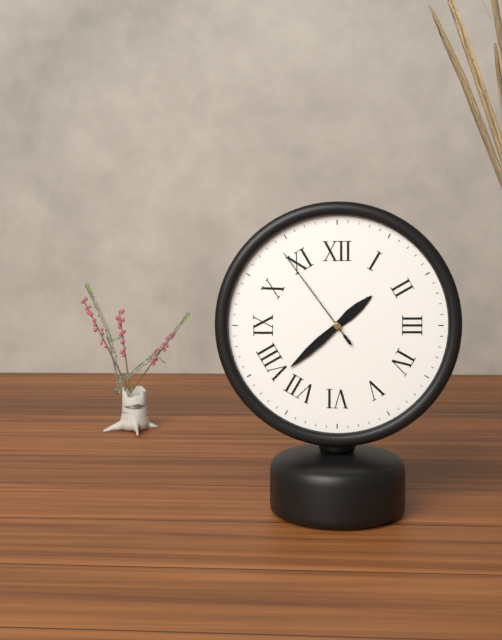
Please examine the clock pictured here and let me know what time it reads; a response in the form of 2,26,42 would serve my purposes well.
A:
1,38,54
